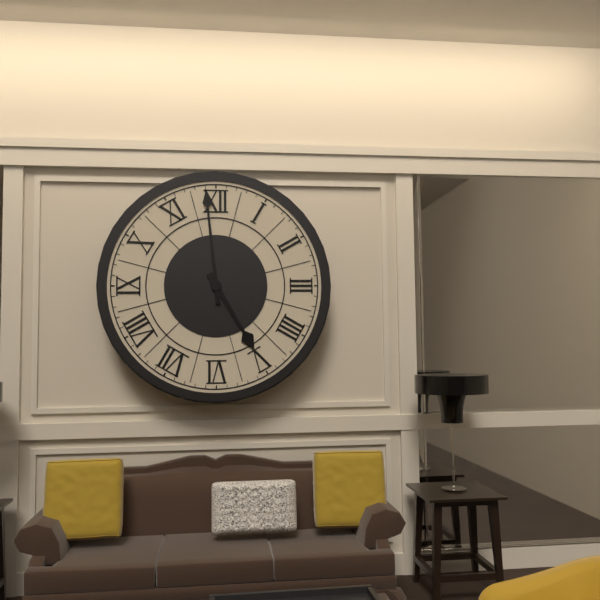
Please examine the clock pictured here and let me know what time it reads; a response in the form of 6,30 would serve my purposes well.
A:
4,59
